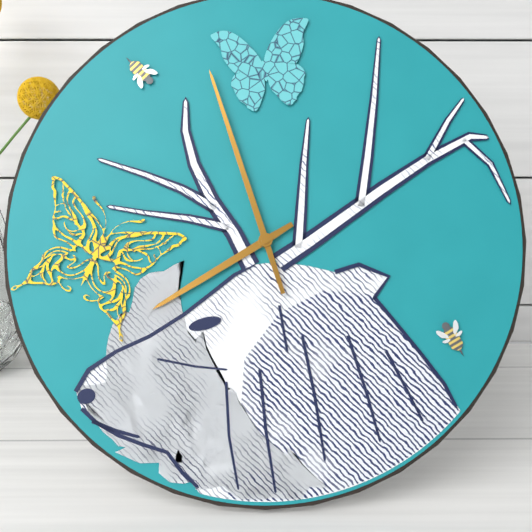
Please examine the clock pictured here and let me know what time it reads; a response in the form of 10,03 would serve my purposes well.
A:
7,57
